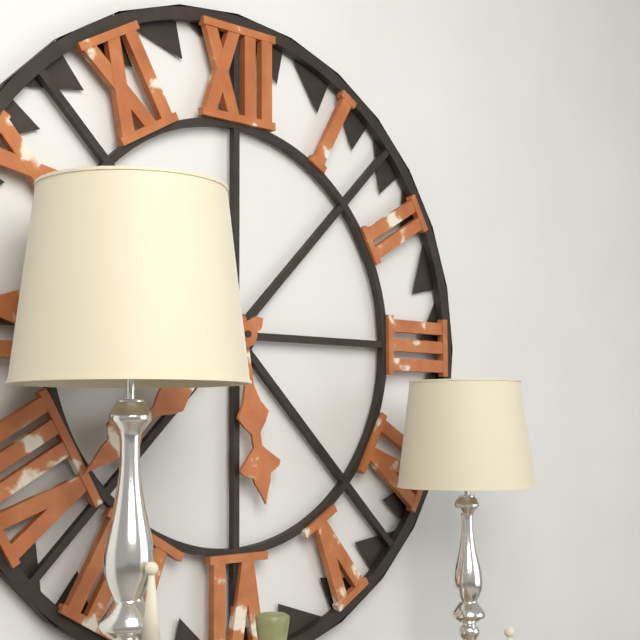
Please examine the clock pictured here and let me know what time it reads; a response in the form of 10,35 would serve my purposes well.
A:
5,39
